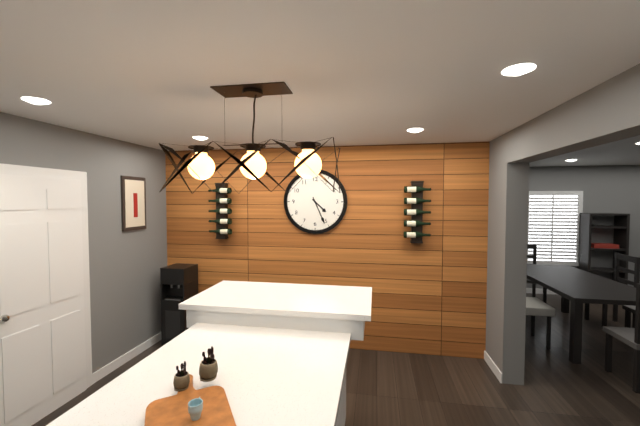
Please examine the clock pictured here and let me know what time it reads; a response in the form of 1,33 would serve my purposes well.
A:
4,26
